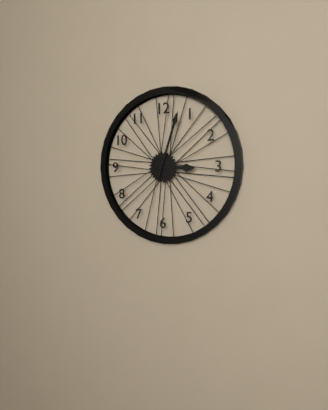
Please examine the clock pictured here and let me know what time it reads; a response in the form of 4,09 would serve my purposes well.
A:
3,03
